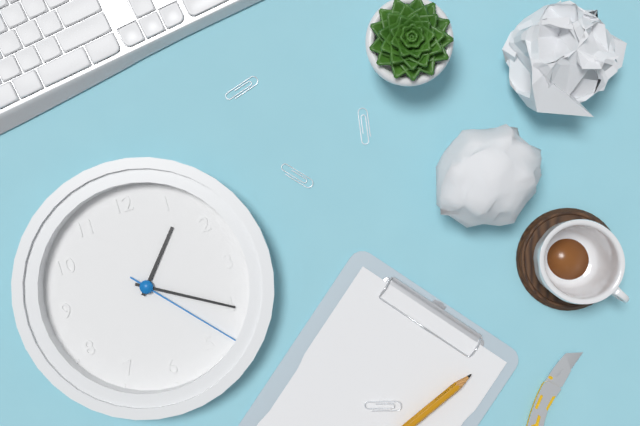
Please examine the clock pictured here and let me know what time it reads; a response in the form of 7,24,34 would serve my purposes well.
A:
1,20,23
